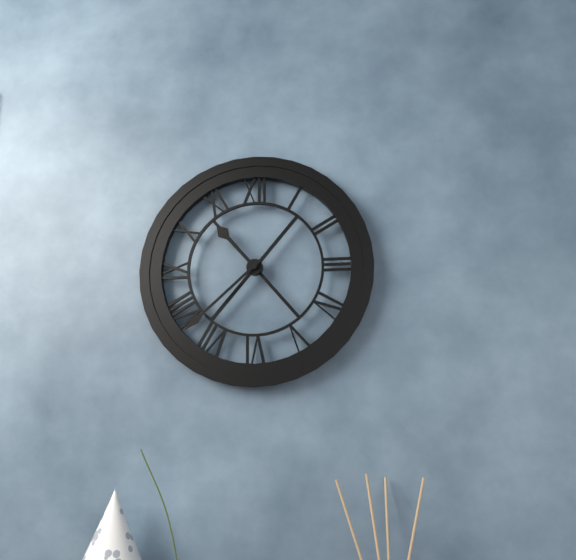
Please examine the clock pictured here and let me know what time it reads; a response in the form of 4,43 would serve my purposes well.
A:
10,38
